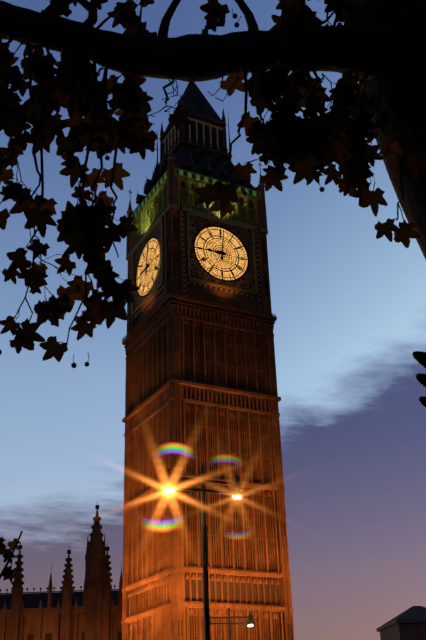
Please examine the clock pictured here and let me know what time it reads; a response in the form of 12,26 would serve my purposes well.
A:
9,01
